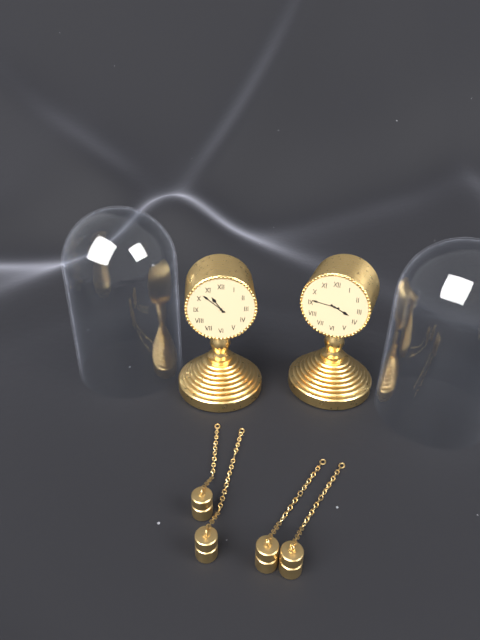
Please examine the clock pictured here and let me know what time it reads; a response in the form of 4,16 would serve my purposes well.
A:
10,52
